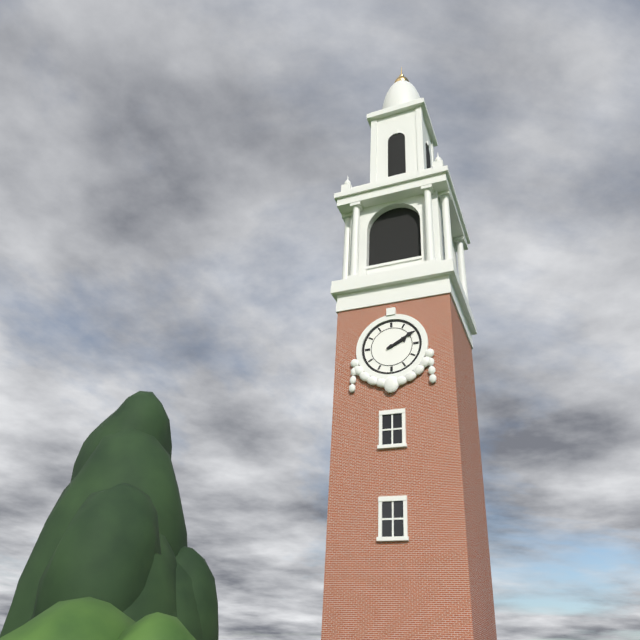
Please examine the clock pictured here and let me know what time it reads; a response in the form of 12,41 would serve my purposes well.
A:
2,10
